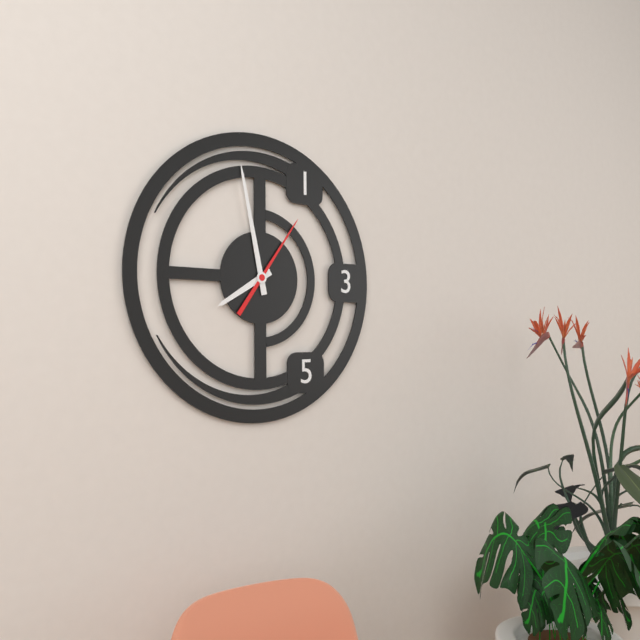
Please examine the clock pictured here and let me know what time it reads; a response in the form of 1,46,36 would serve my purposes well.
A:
7,58,06
